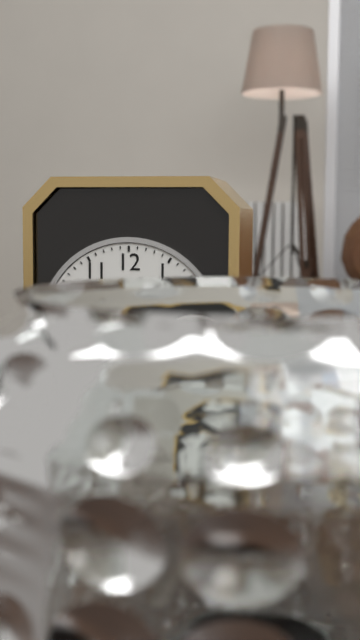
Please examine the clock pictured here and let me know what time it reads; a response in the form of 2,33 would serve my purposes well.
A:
1,38
